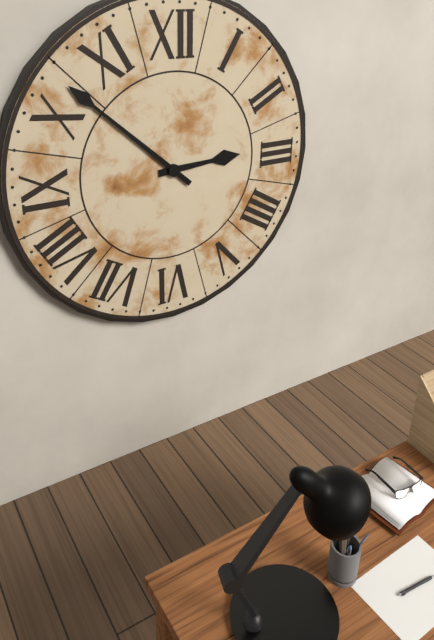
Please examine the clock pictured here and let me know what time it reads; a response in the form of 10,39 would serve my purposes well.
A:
2,52
